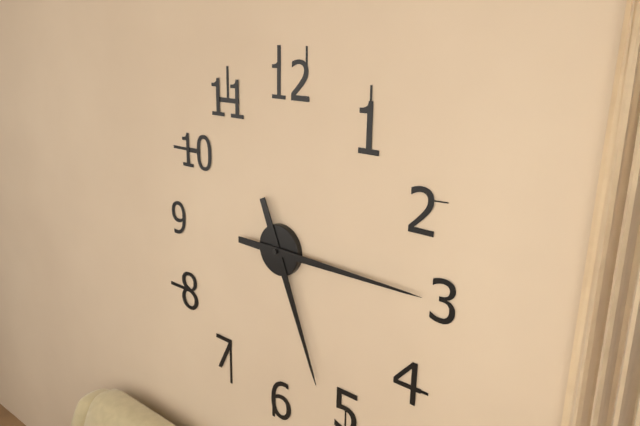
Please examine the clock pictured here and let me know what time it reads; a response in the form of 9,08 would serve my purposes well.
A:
5,15
